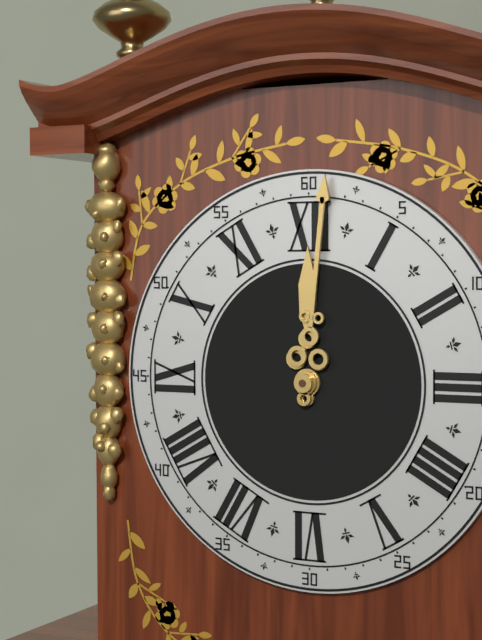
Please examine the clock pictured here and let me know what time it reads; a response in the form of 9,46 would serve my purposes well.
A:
12,01
